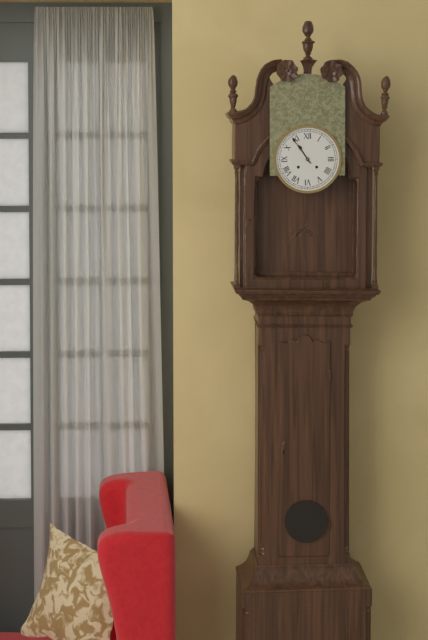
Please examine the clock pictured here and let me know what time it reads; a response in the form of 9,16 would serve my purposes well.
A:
10,54
